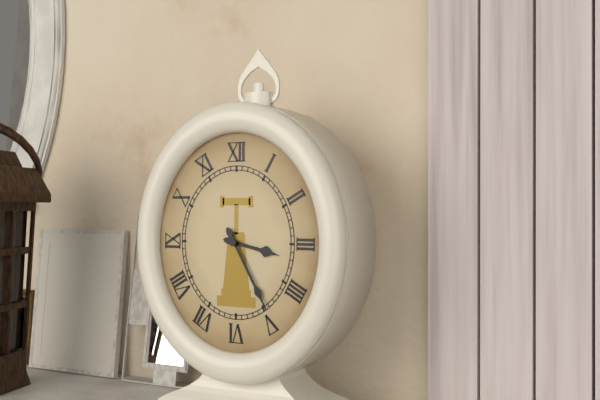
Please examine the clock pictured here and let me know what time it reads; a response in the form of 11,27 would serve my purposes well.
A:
3,25
